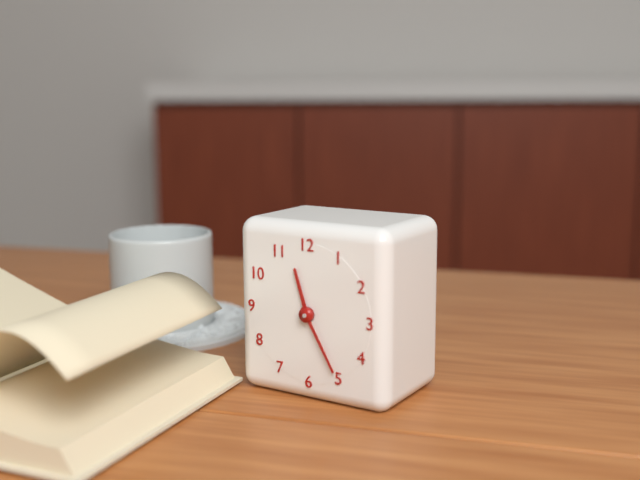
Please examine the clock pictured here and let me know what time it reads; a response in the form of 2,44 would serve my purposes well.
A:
11,25
